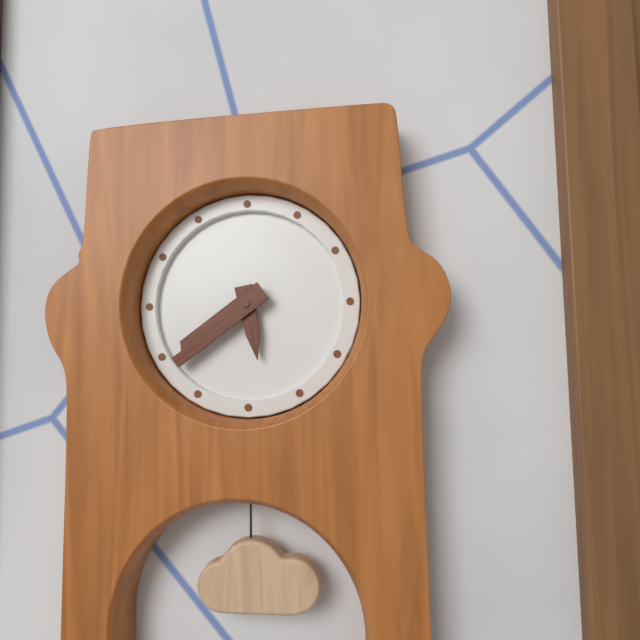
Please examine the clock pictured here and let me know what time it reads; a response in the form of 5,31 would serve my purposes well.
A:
5,39
